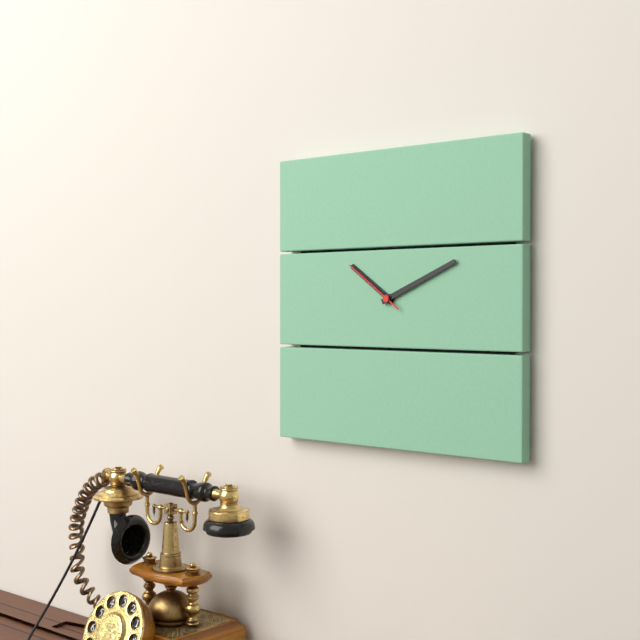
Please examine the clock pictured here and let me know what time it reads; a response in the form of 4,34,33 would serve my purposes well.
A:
10,11,51
